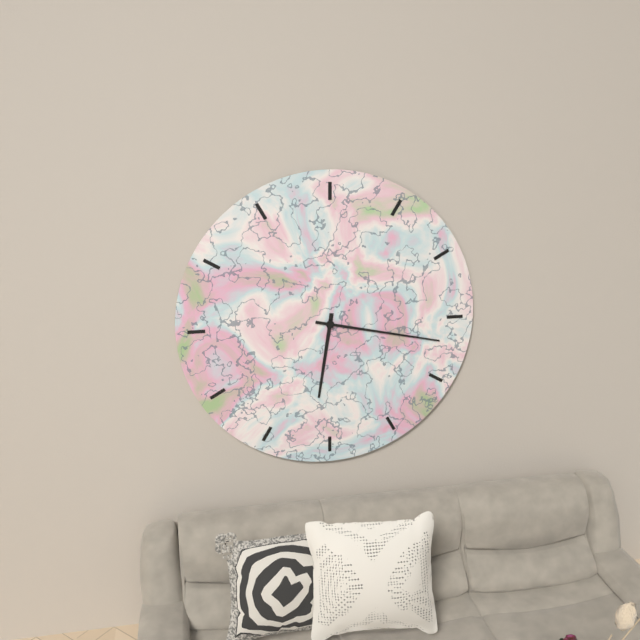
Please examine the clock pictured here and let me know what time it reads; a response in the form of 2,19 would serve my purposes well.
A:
6,17
